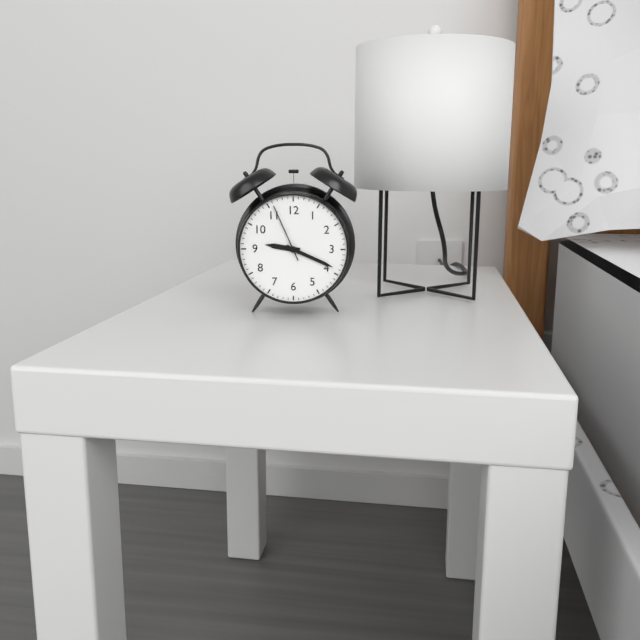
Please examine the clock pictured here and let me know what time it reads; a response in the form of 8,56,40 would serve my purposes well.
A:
9,19,56
